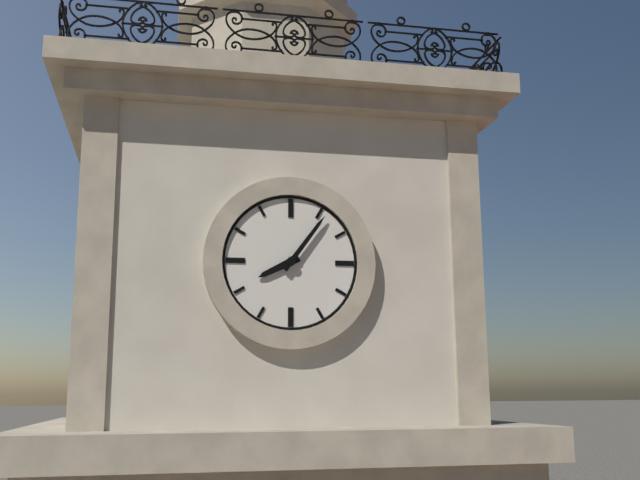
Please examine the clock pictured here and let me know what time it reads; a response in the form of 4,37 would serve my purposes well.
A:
8,06
